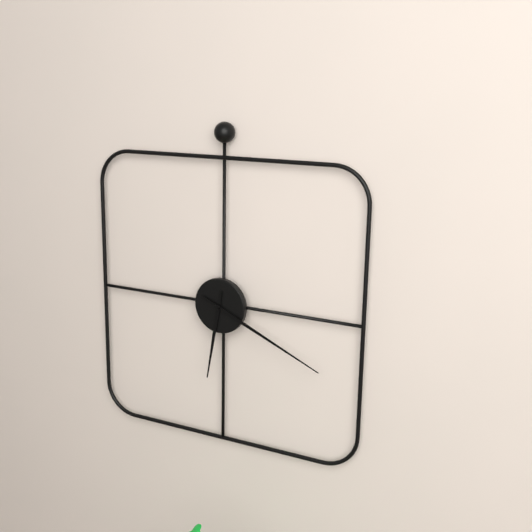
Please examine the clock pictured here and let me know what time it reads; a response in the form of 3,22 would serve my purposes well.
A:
6,19
